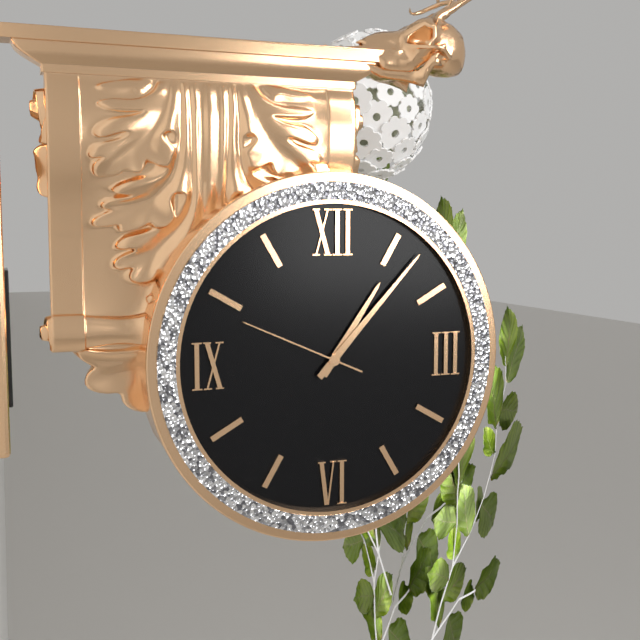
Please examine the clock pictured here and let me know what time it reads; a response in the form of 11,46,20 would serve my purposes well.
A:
1,07,49
